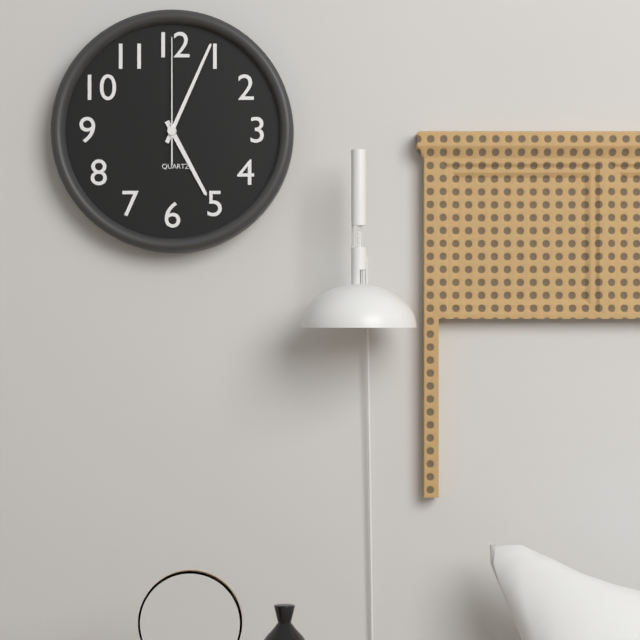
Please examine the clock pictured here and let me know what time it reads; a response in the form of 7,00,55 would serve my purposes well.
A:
5,04,00
